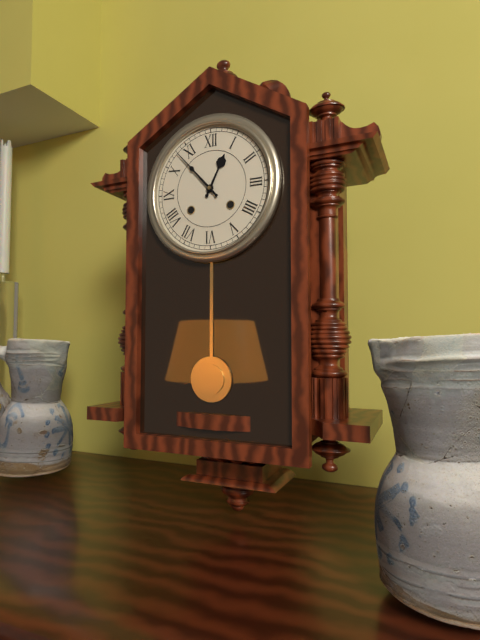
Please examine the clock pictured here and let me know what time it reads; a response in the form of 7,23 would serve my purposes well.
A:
12,53
